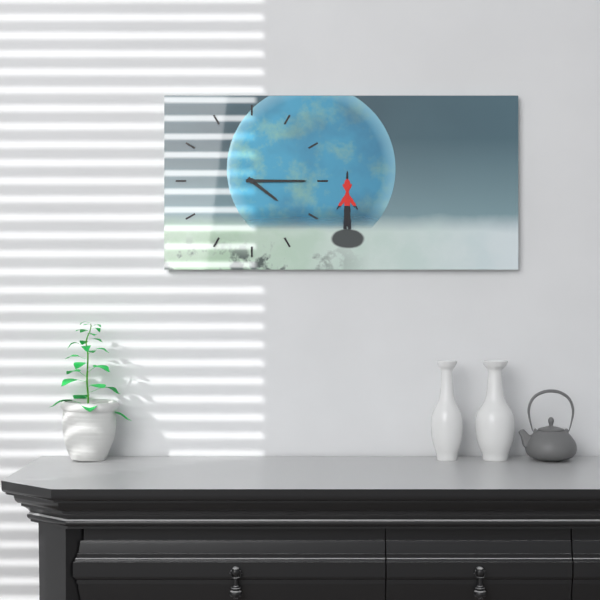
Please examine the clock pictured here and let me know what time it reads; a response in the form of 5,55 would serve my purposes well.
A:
4,15
